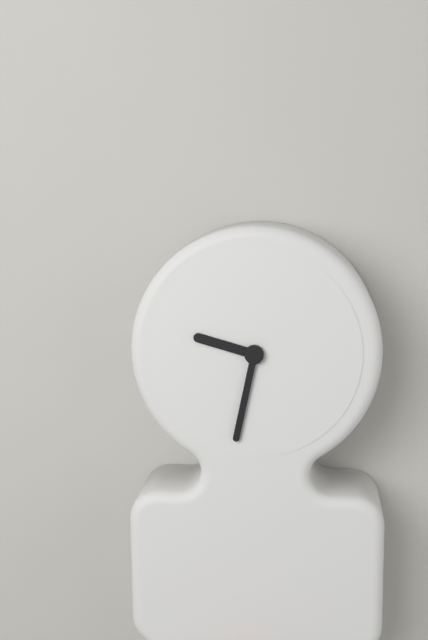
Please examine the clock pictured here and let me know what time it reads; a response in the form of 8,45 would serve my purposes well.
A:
9,32
